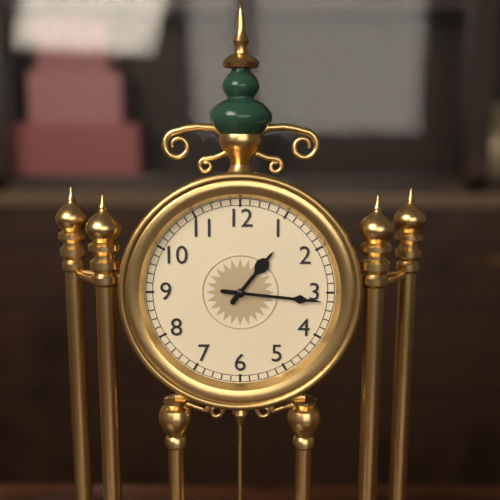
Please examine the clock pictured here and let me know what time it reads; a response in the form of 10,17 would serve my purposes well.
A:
1,16
